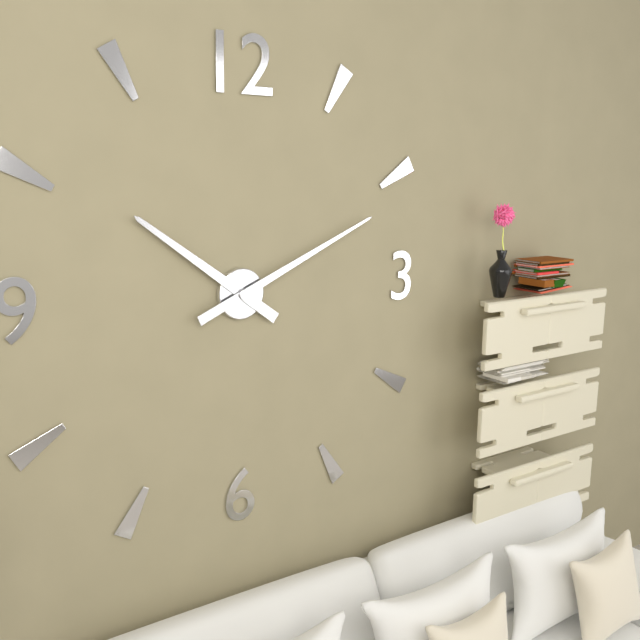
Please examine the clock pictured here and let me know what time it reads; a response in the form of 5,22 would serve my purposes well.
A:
10,11
